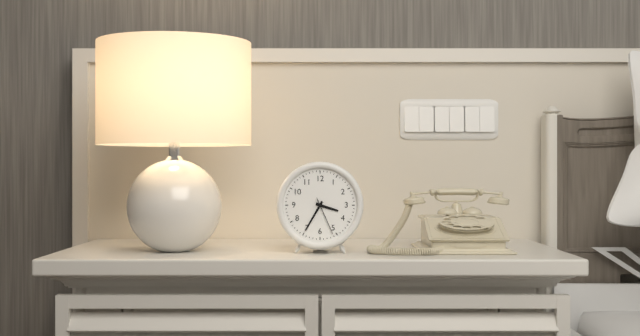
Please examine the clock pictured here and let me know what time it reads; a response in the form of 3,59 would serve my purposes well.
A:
3,35
